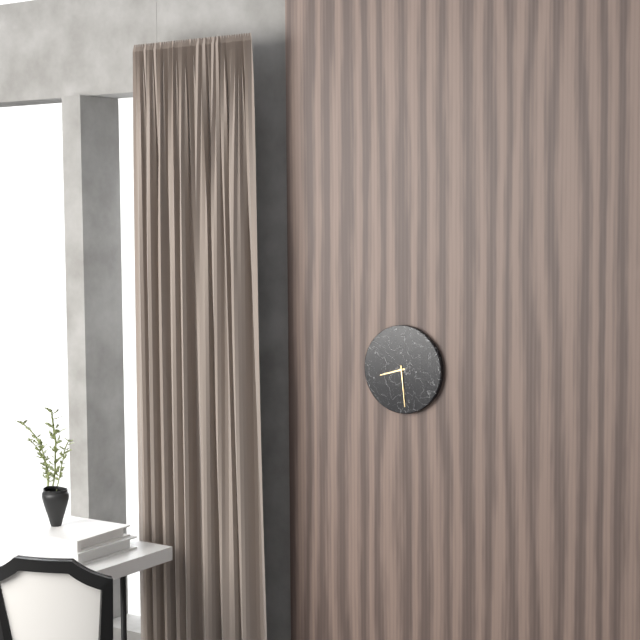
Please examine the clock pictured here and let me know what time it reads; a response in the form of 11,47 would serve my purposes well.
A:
8,29
